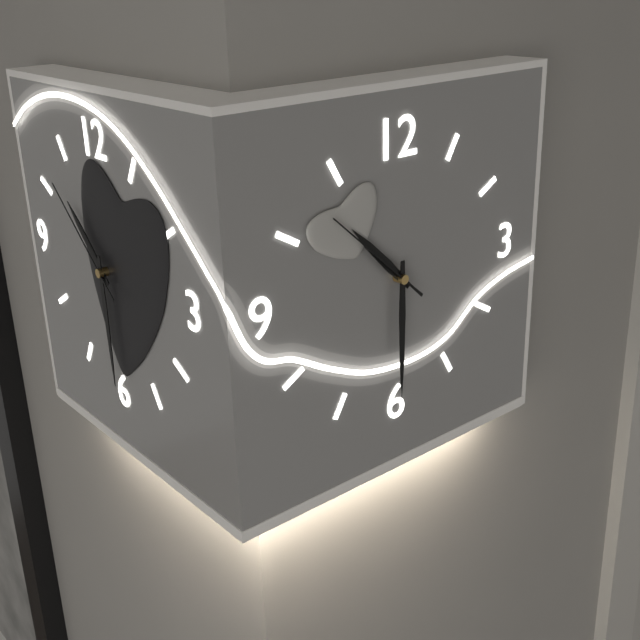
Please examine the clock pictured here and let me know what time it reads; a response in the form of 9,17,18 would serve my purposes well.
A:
10,30,52
